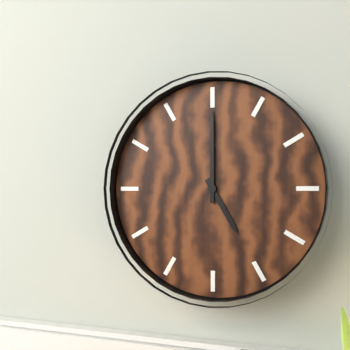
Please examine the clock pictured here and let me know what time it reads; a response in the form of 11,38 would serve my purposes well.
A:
5,00
